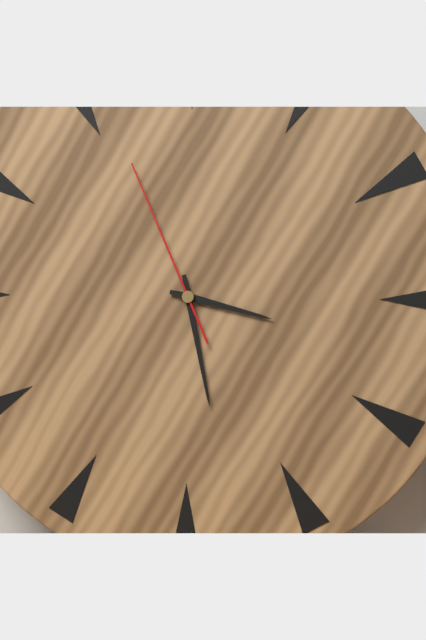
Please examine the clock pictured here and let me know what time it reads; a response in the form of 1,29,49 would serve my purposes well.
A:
3,28,56
